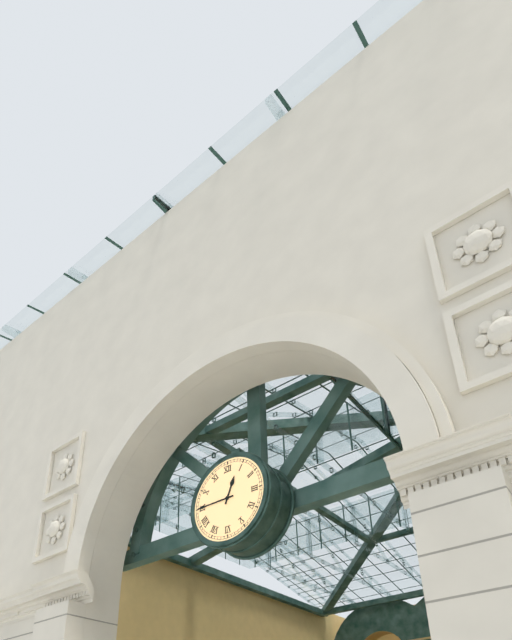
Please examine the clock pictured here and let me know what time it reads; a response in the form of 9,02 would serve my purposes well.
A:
12,45
